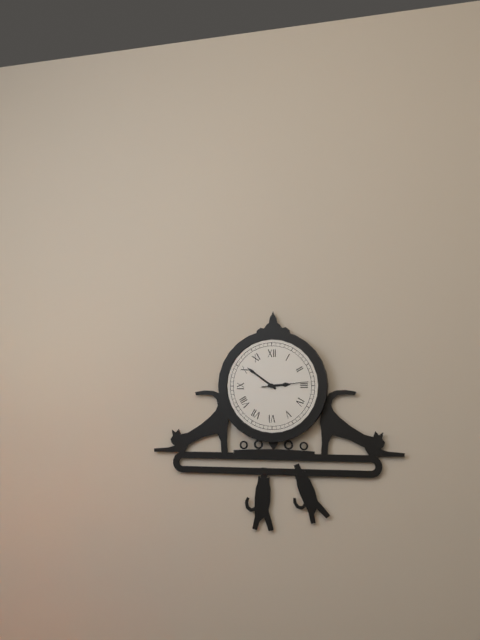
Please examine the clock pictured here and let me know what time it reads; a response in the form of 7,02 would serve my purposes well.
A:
2,51
